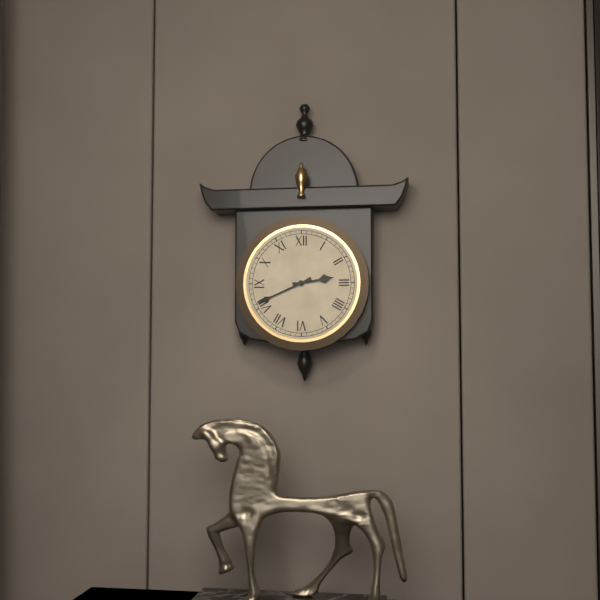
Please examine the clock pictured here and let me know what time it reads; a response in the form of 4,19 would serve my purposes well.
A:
2,41
